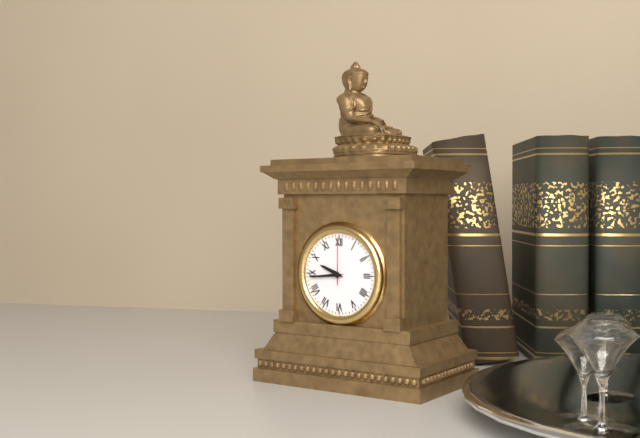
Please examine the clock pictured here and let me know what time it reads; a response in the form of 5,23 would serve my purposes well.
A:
9,44
